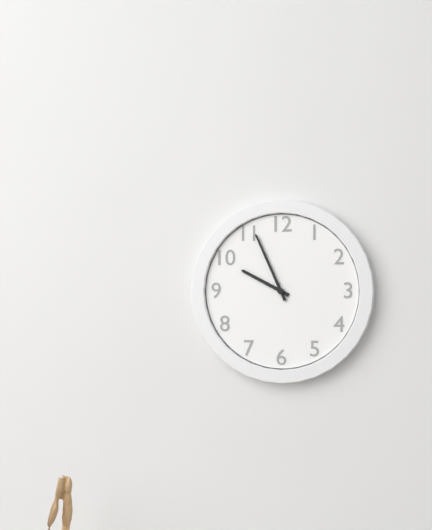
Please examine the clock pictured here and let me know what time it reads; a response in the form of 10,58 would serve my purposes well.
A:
9,56
